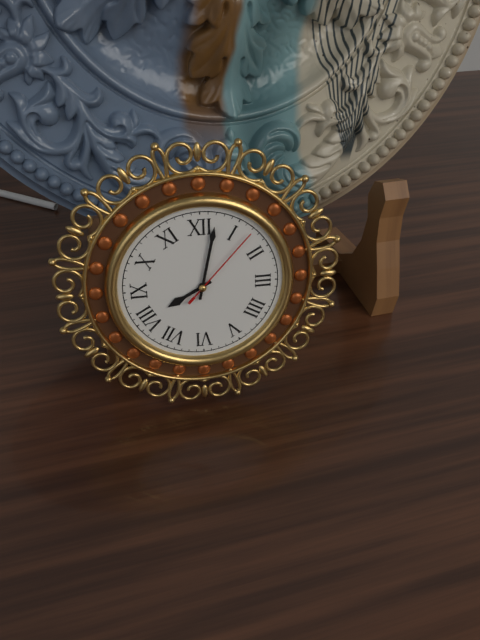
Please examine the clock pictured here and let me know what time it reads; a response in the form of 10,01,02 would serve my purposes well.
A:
8,02,07
